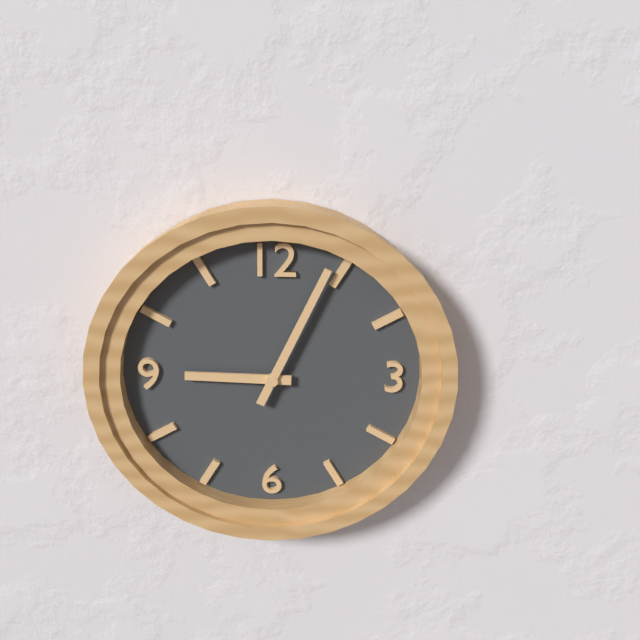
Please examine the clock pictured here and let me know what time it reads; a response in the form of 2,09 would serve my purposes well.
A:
9,04
